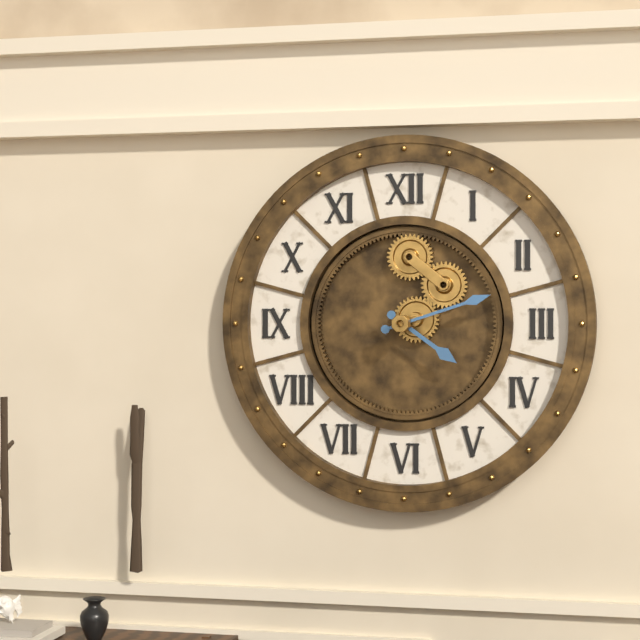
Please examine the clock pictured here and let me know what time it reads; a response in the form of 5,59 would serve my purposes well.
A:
4,12
